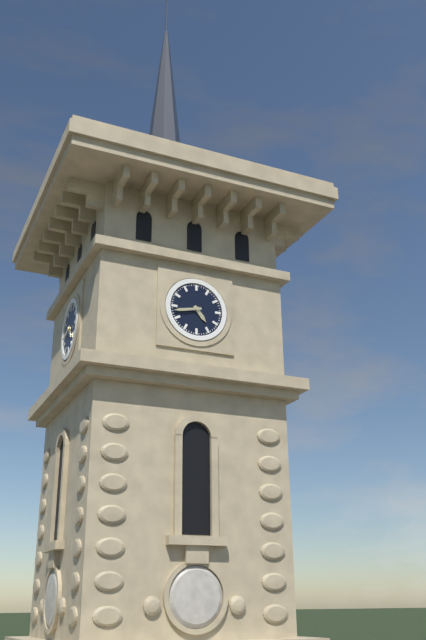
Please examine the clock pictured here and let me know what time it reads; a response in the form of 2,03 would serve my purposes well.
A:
4,43
